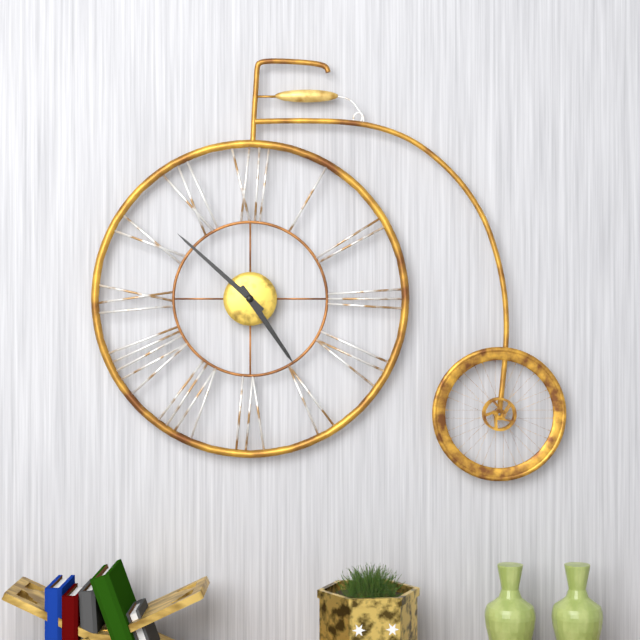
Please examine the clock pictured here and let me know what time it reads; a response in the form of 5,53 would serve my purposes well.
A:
4,52
